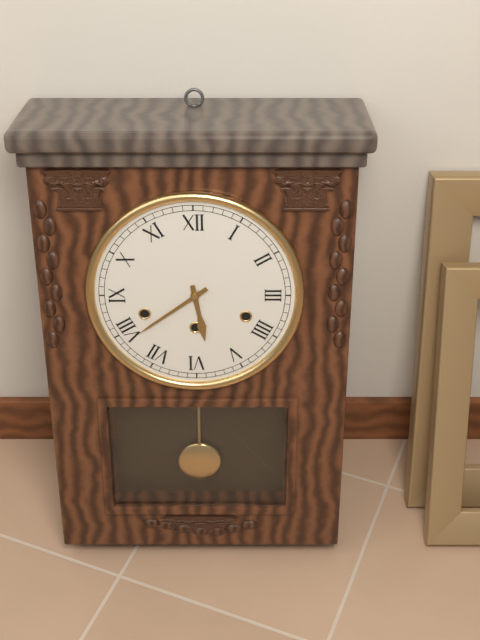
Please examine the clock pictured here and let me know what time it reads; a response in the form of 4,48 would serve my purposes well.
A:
5,39
